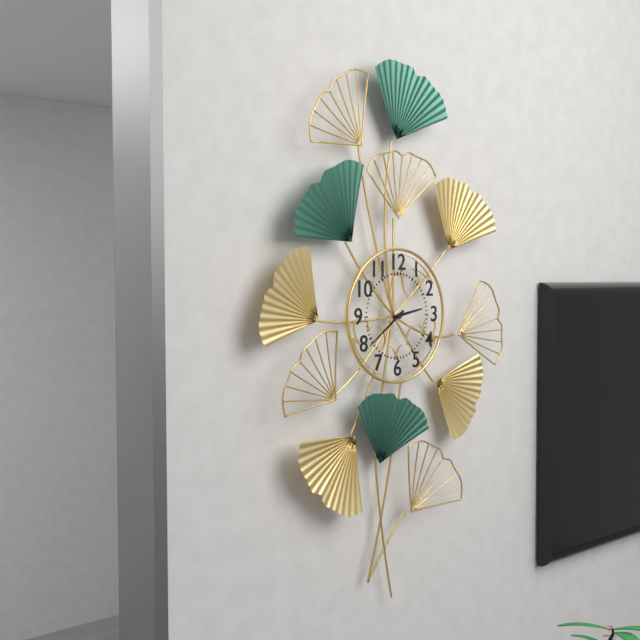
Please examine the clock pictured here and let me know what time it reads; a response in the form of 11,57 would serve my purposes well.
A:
2,39
